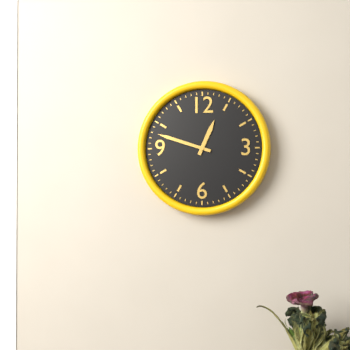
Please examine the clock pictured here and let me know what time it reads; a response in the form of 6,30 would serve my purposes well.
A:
12,48
